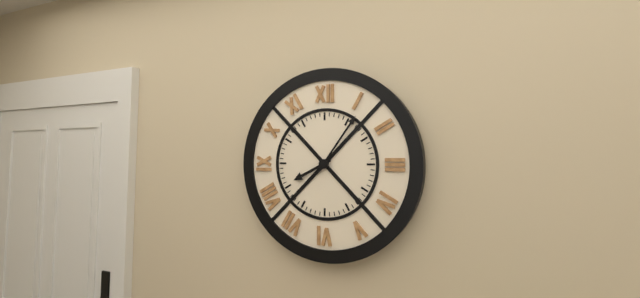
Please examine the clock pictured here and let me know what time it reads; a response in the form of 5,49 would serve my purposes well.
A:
8,06
